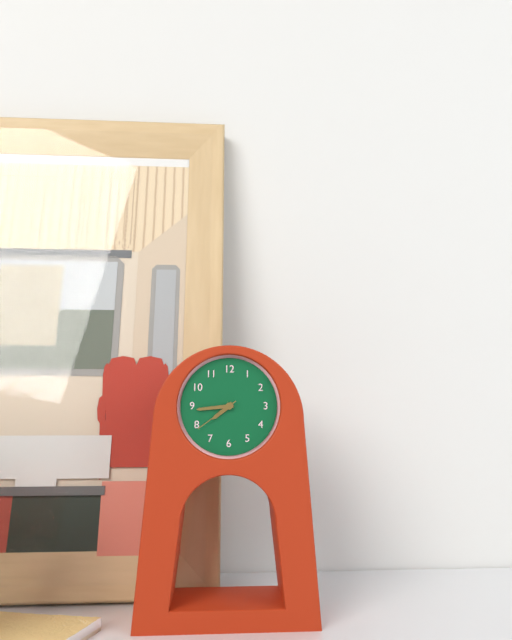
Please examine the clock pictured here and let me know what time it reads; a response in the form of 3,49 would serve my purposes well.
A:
7,44
